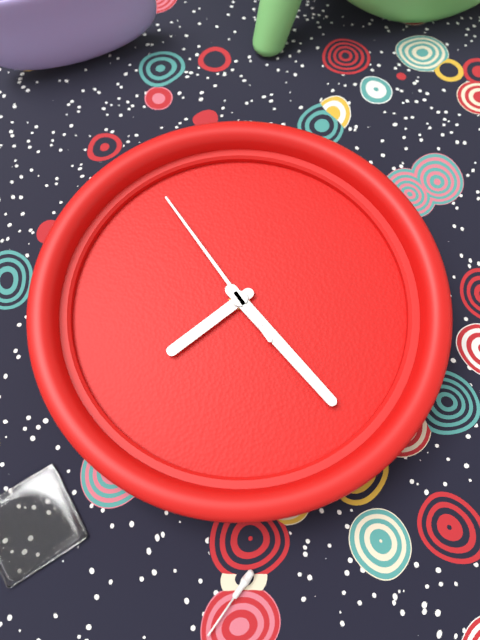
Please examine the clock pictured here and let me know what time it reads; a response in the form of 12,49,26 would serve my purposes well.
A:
8,27,58
